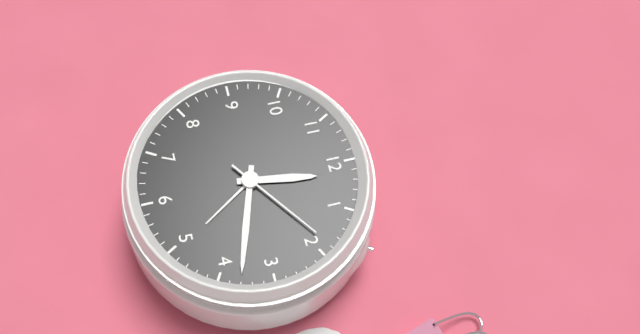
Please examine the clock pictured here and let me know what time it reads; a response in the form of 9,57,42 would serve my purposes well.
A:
12,18,09
